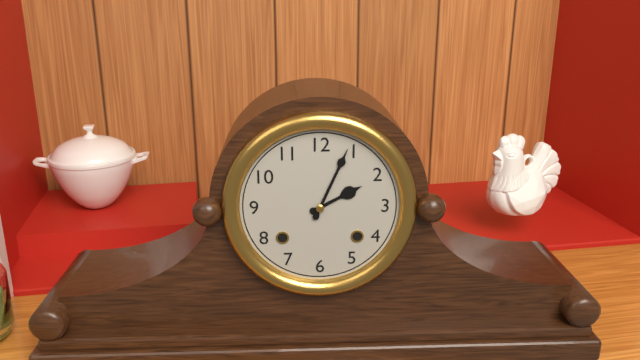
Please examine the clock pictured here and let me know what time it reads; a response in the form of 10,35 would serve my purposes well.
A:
2,04
